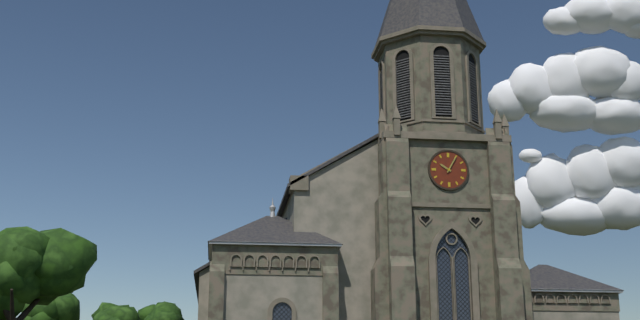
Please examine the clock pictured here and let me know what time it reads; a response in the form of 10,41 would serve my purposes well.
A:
10,05
